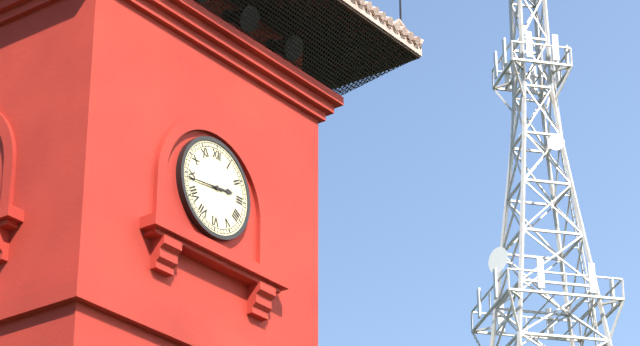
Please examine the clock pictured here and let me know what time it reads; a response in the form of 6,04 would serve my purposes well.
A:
2,44
